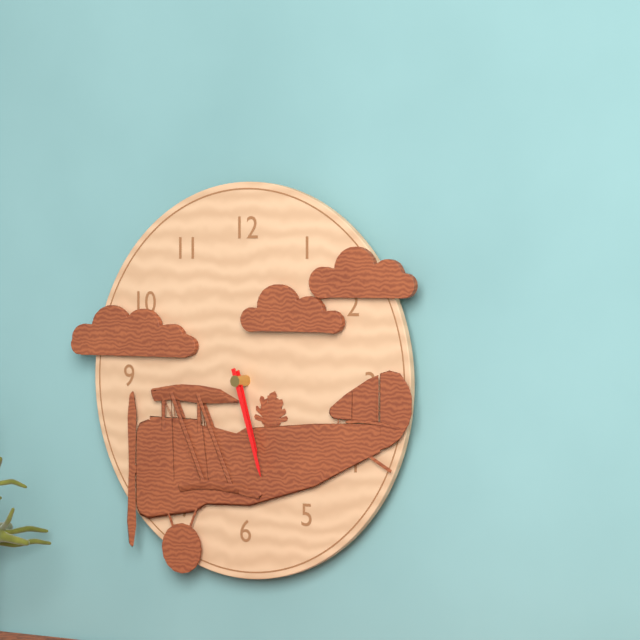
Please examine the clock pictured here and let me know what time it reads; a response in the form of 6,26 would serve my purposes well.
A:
5,27
